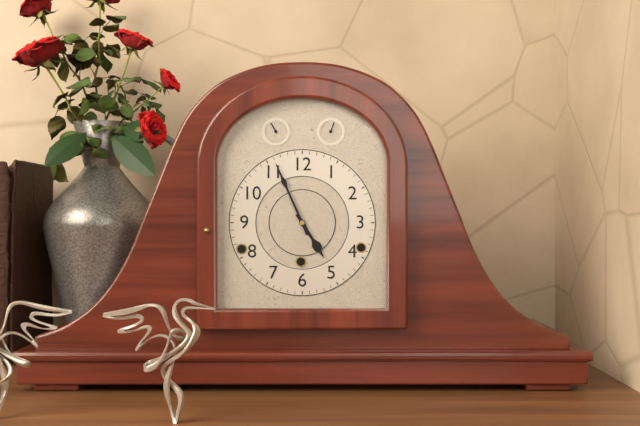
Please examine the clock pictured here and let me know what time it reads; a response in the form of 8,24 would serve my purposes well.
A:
4,56
